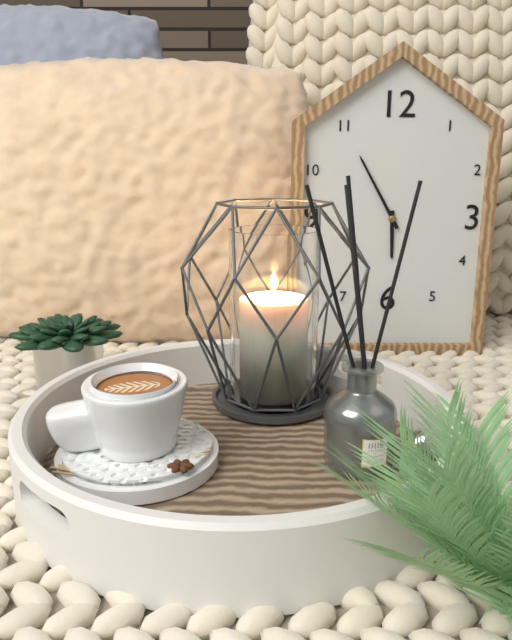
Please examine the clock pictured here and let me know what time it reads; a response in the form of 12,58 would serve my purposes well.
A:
5,55
